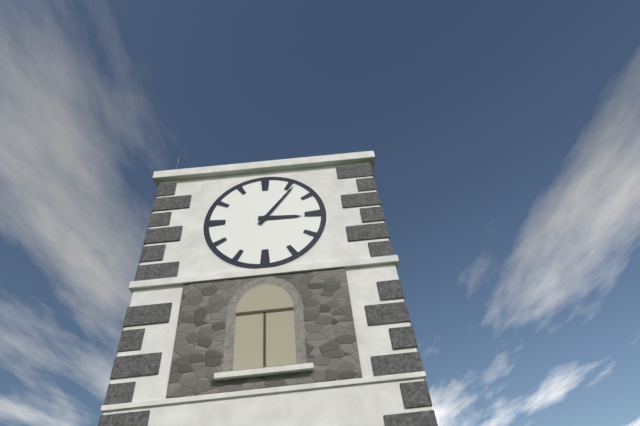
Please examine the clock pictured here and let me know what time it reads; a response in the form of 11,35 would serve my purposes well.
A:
3,06
